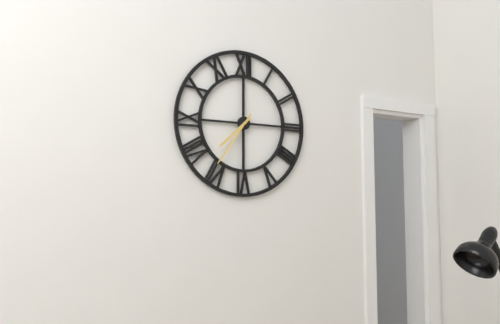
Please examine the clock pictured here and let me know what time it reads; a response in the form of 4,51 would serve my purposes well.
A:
7,36
